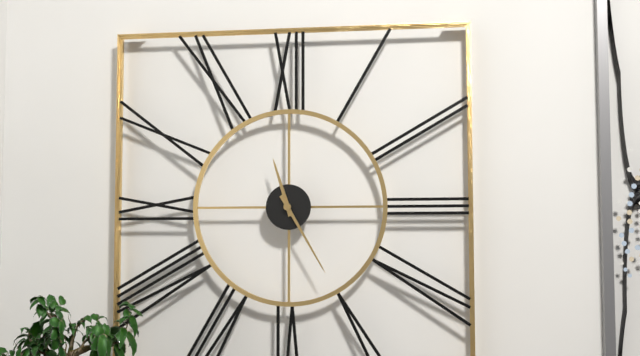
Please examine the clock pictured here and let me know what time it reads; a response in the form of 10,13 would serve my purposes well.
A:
11,25
